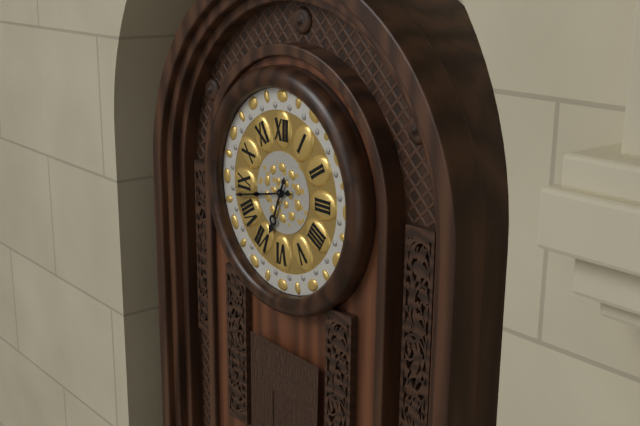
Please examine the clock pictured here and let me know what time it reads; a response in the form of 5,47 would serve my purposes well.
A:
6,43
